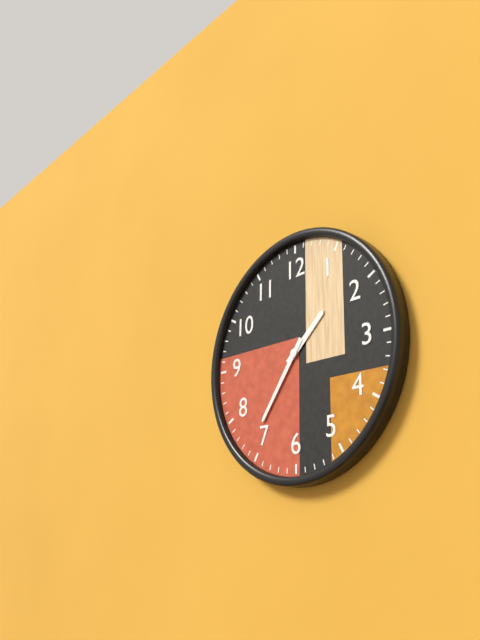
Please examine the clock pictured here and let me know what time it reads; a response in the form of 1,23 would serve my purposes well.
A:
1,36
